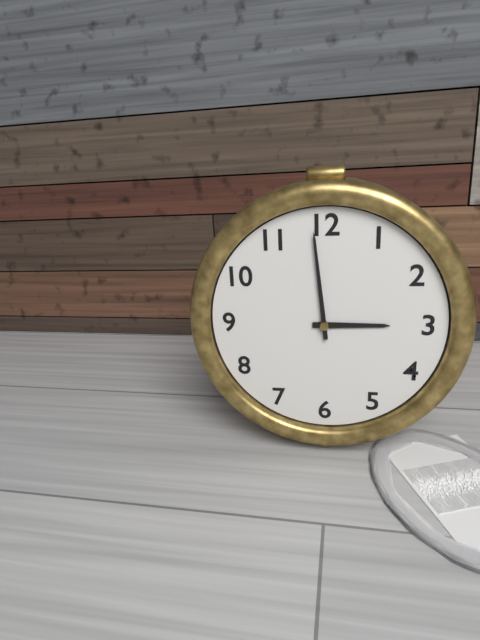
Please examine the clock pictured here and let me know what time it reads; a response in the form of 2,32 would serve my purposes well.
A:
2,59
